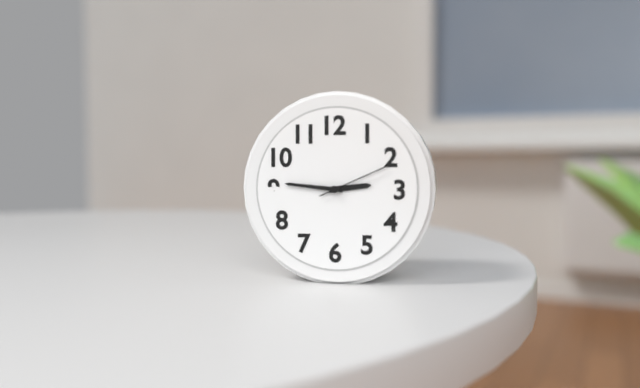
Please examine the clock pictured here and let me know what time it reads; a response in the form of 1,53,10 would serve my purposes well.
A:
2,46,11
